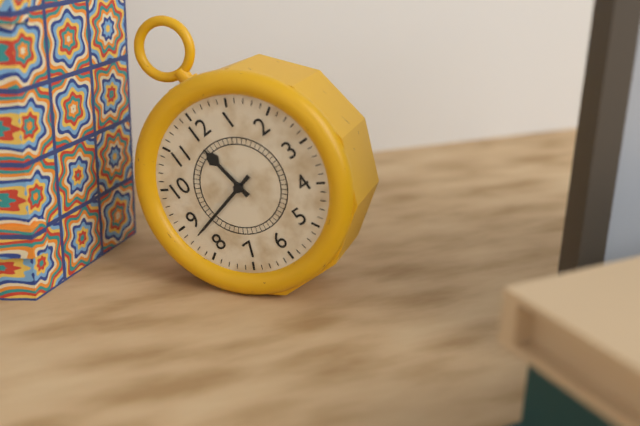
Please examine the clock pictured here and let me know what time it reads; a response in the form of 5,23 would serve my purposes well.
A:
11,43
